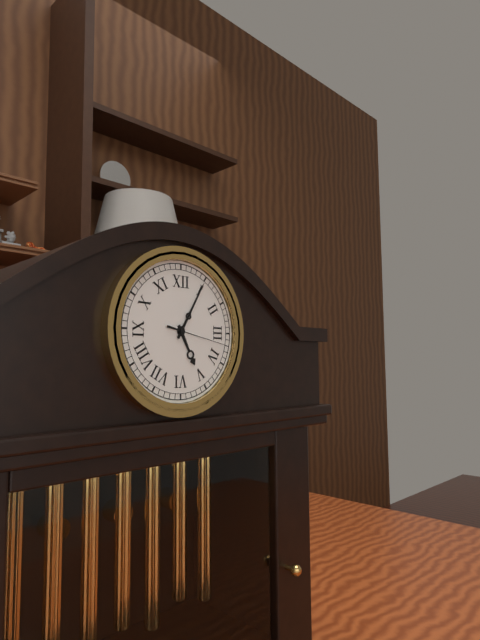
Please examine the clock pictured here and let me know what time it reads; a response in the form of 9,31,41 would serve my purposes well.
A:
5,05,17
